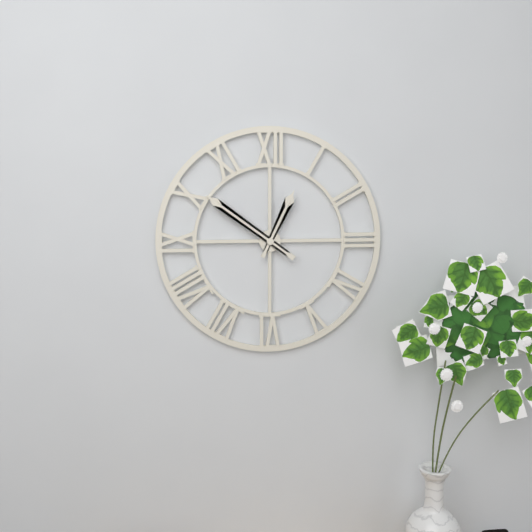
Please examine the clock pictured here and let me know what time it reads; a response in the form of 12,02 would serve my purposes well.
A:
12,51
